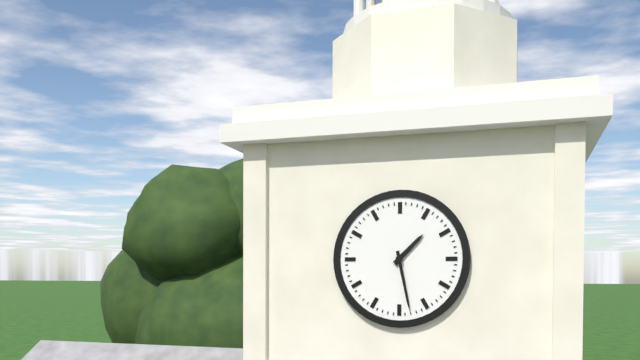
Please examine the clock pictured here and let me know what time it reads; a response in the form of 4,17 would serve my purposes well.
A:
1,28
